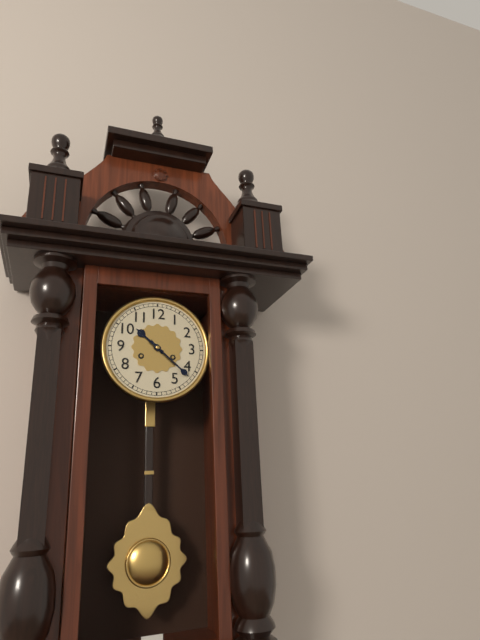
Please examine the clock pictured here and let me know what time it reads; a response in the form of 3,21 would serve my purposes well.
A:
10,22
